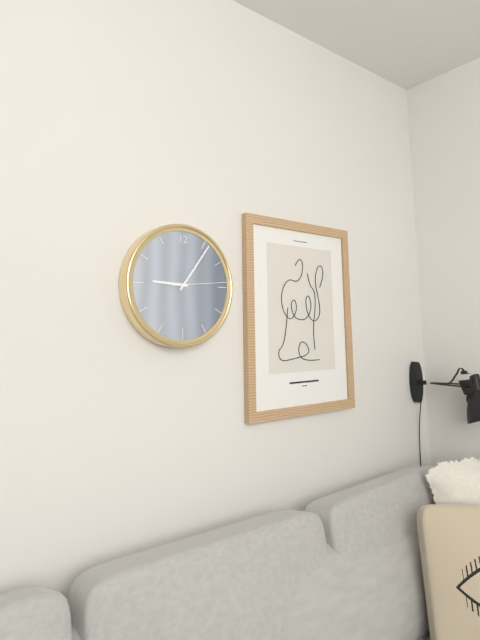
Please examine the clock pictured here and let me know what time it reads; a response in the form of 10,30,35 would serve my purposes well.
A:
9,06,14
